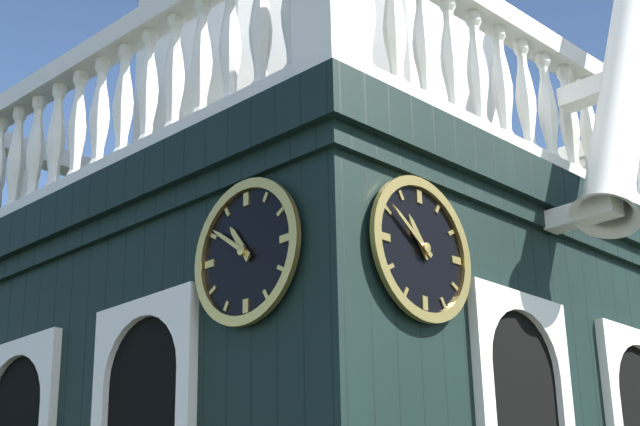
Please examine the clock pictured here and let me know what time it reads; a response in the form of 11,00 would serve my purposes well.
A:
10,51
